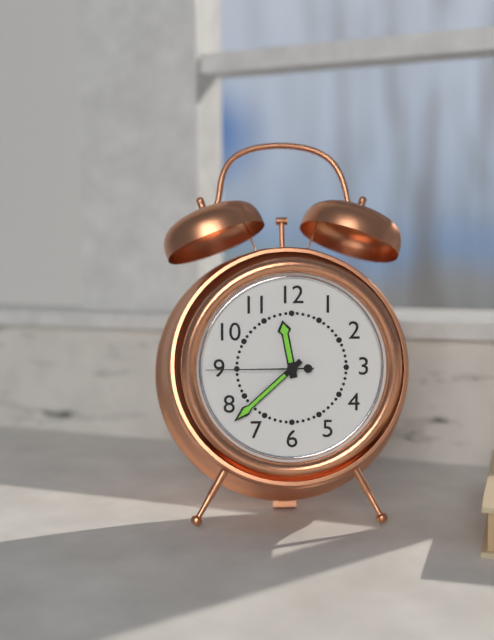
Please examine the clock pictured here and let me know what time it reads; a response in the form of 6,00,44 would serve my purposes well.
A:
11,38,45
